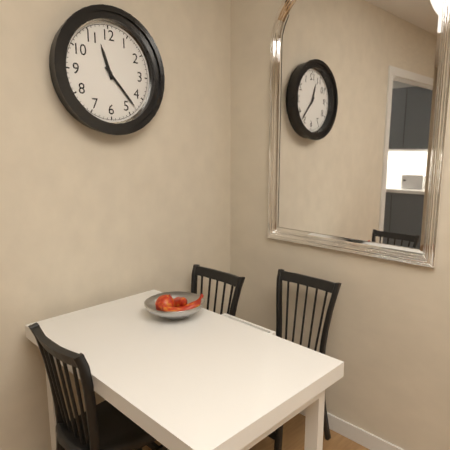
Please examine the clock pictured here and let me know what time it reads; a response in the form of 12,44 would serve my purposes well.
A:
11,23
